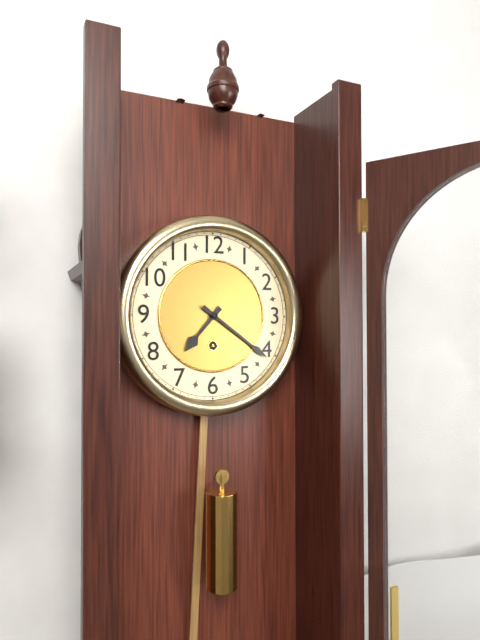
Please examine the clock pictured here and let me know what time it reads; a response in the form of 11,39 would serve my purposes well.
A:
7,21
